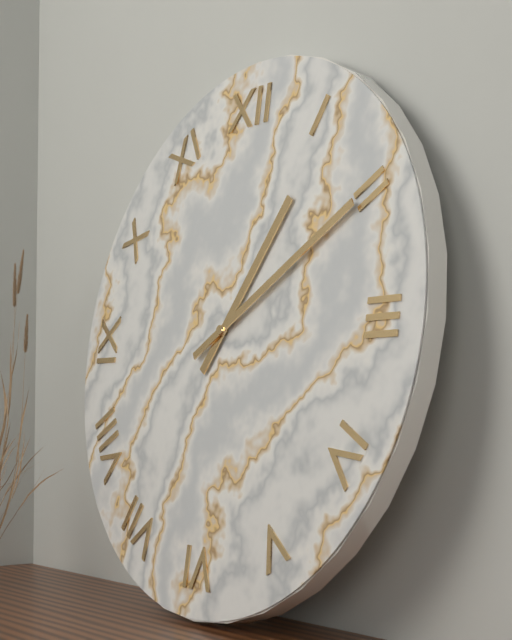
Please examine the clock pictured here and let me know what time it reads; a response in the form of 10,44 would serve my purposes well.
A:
1,10
